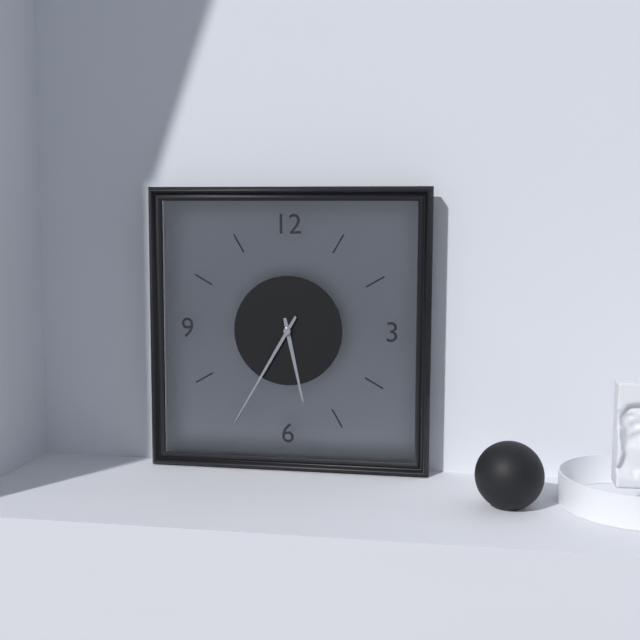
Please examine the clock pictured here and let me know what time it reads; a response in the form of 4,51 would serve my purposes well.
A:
5,35
